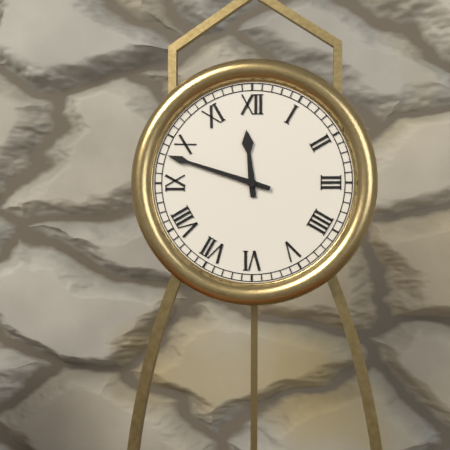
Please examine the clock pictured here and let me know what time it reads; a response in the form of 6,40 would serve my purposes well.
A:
11,48
